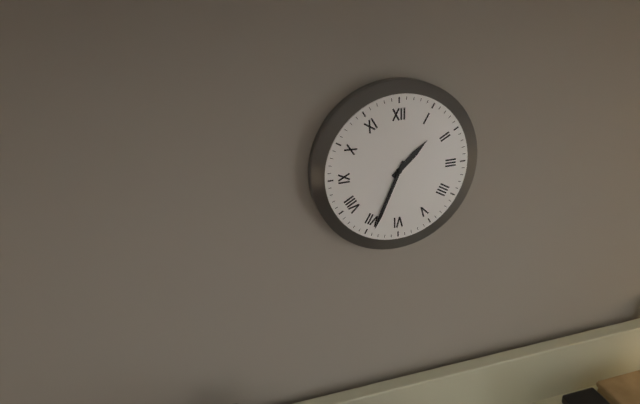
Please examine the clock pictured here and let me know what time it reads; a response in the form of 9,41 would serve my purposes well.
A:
1,34
